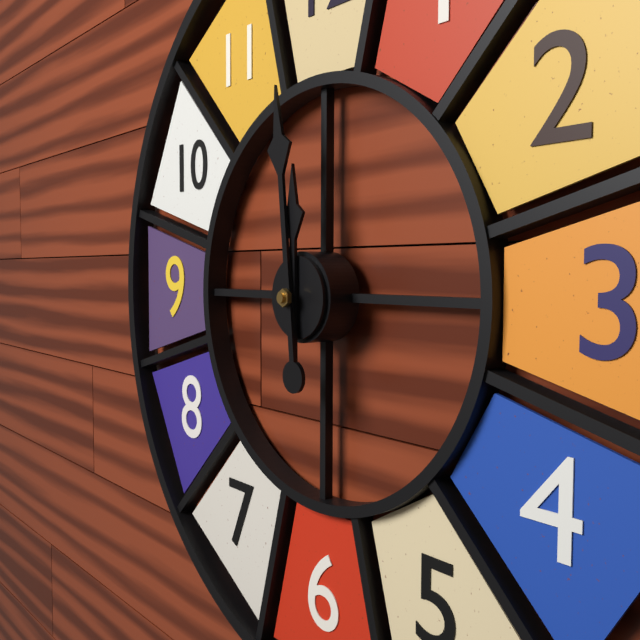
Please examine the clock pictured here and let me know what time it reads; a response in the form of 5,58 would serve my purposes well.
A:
11,59
